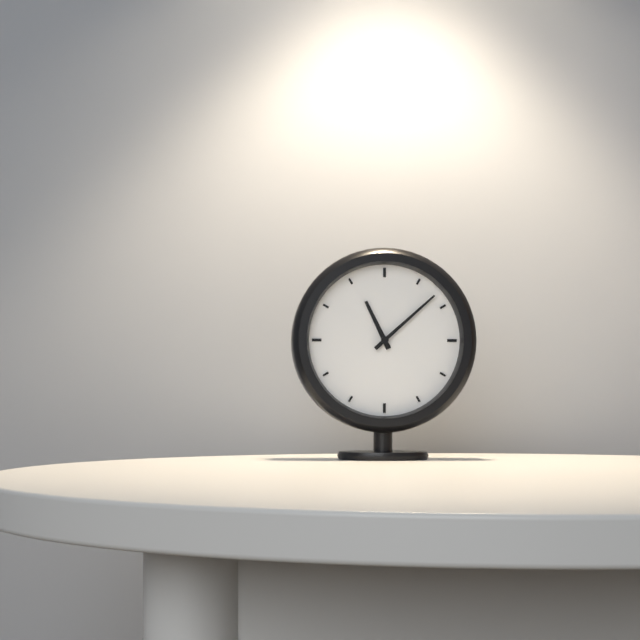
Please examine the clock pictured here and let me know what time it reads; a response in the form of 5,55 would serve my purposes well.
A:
11,08
